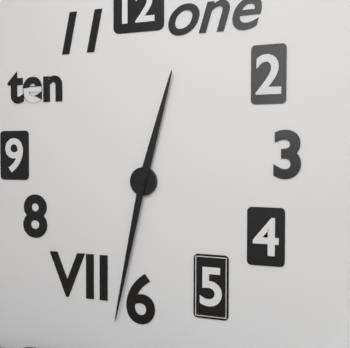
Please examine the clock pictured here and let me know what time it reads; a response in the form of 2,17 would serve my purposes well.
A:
12,32
